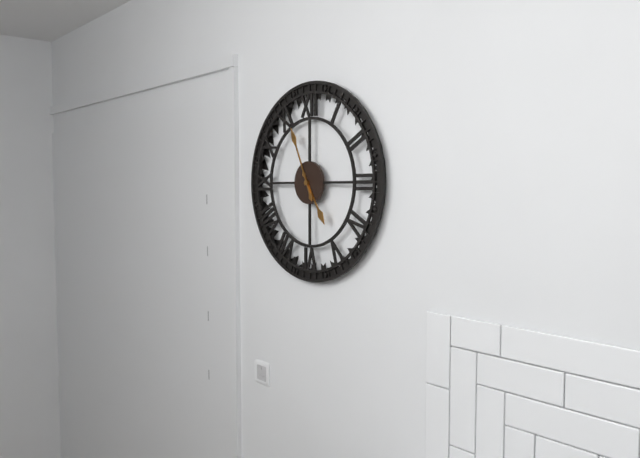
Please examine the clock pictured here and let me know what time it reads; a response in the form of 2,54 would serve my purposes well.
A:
4,56
